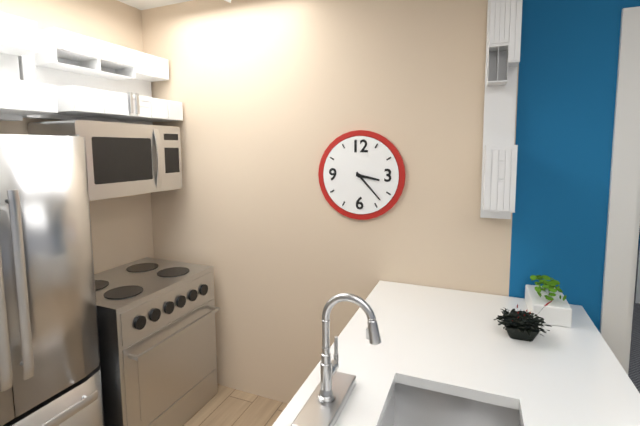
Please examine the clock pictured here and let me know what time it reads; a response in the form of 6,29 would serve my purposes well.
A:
3,23
